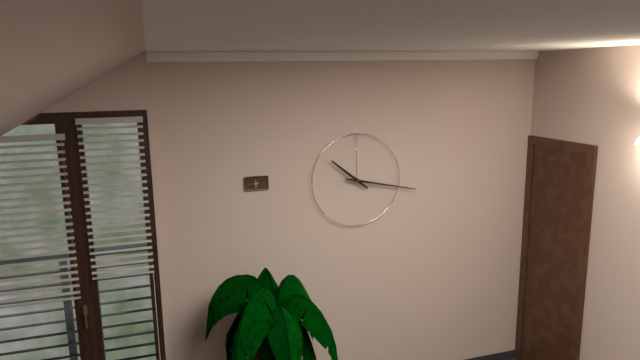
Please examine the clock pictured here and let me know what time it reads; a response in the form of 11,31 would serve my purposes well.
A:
10,17
